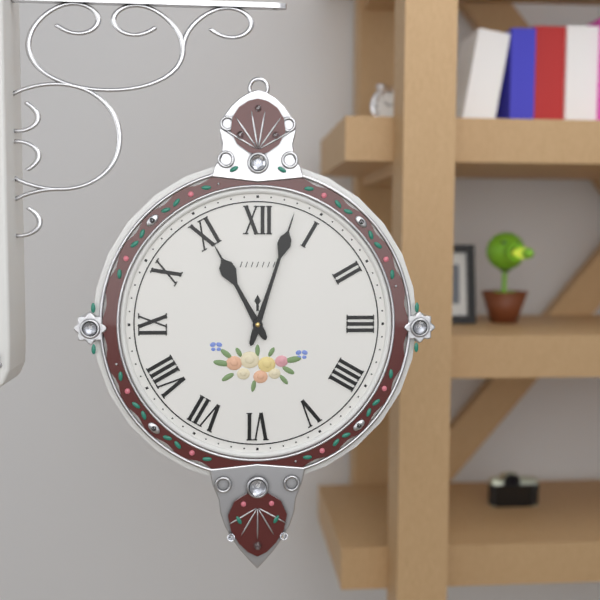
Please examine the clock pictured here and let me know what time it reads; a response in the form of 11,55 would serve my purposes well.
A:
11,03
